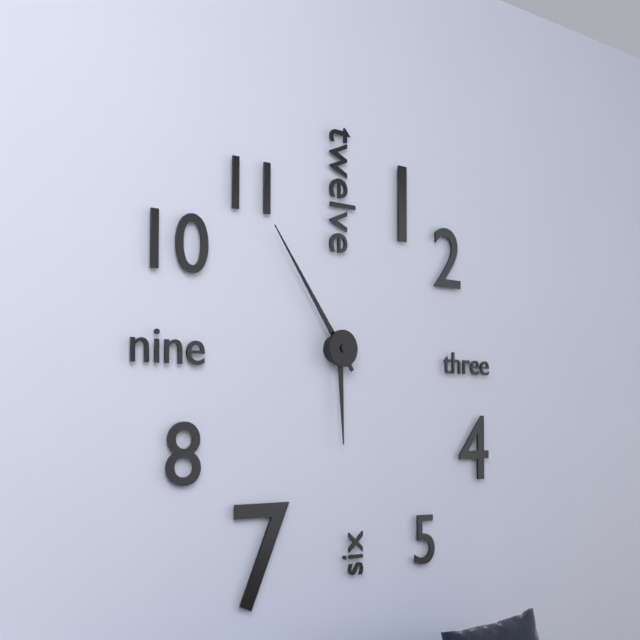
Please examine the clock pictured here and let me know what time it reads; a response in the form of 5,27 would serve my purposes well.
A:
5,54
